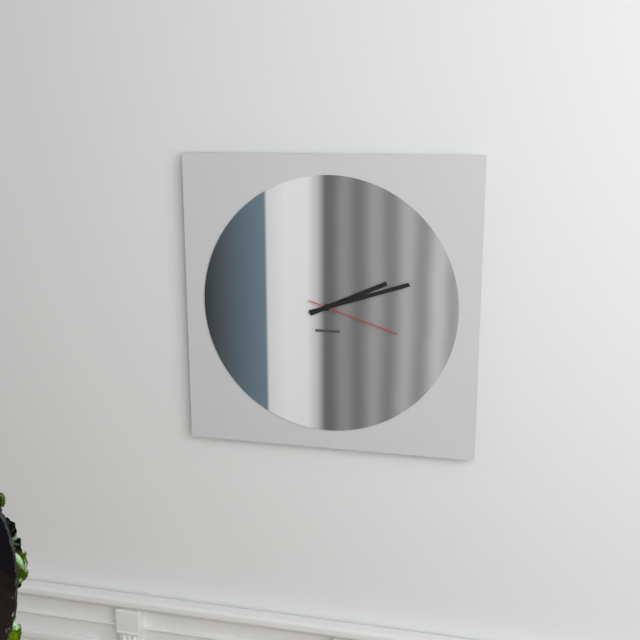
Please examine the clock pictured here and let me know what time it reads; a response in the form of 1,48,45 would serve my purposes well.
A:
2,12,18
